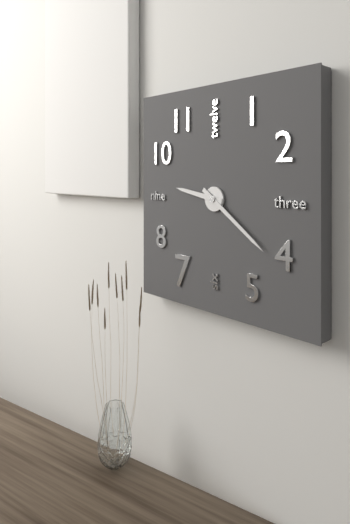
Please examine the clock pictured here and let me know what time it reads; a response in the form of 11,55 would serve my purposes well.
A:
9,21
